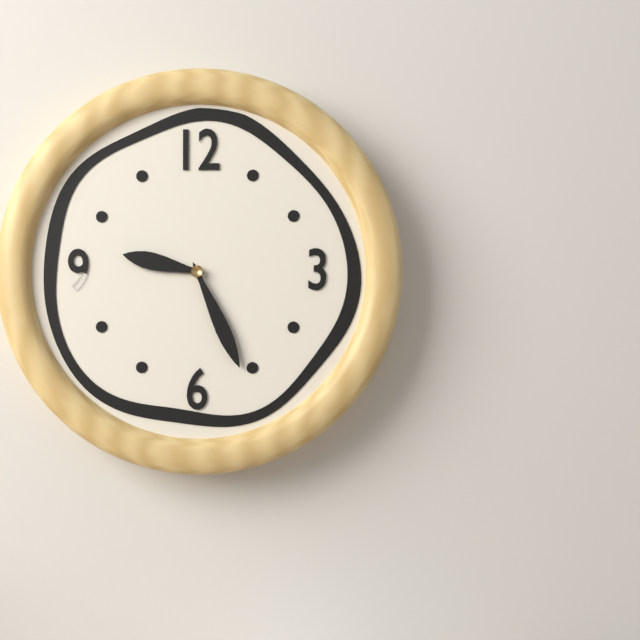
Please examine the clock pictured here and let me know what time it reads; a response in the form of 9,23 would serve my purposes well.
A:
9,26
